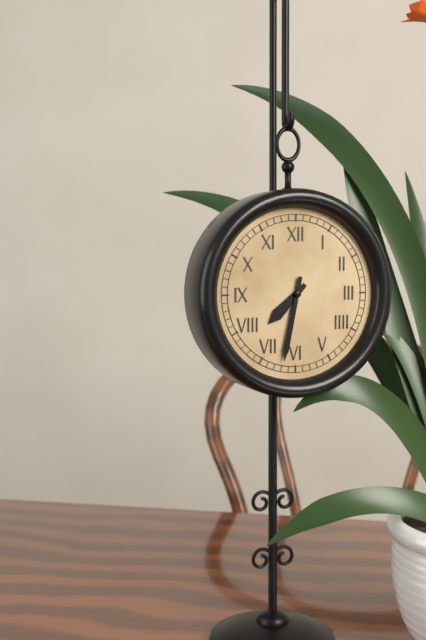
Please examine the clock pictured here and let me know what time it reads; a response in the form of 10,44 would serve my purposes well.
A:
7,32
